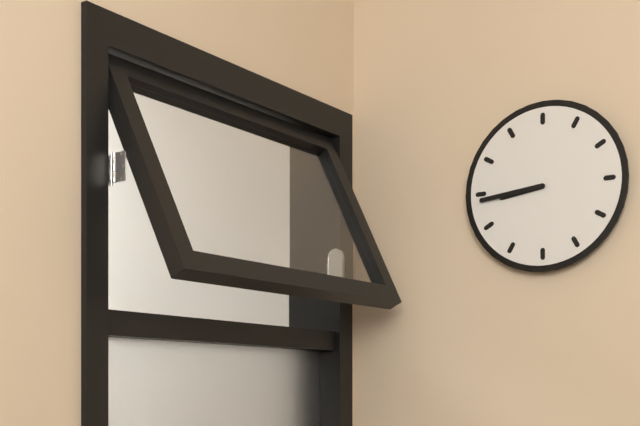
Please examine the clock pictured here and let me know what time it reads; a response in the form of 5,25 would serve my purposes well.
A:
8,44
